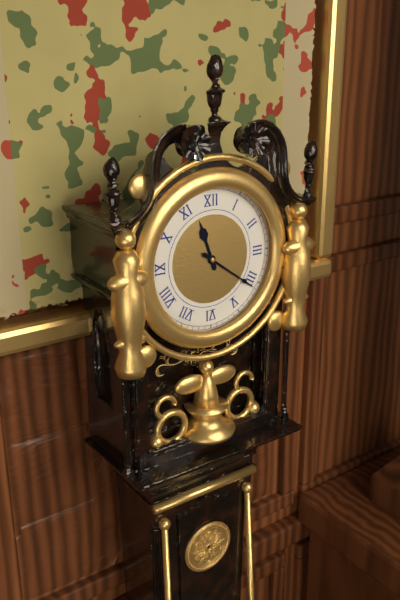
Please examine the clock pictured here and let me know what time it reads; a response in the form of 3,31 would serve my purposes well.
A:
11,21
